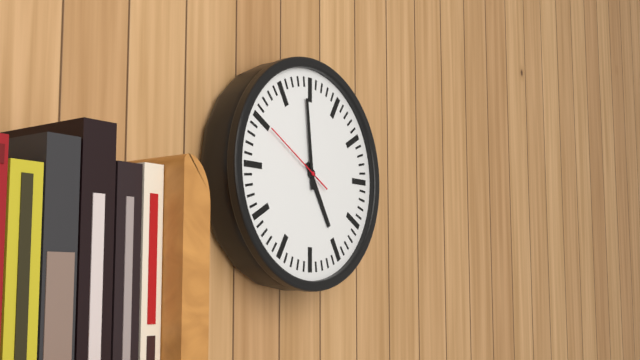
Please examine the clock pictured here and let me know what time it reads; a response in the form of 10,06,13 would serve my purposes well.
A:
4,59,50
